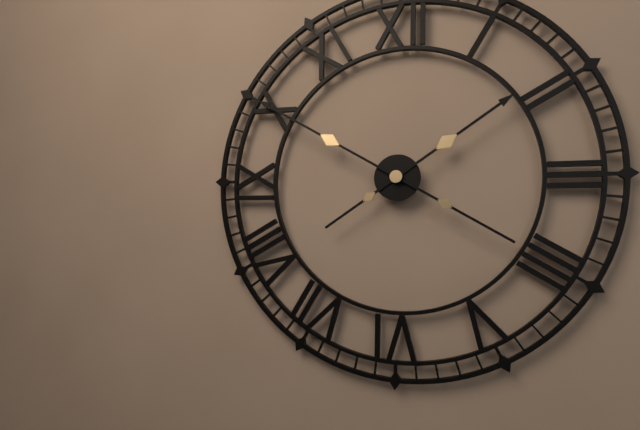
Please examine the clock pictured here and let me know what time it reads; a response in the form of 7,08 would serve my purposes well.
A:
1,50
